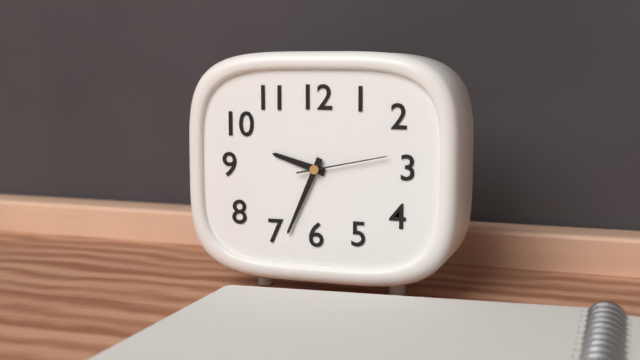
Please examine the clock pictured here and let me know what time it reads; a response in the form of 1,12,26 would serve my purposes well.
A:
9,34,13
